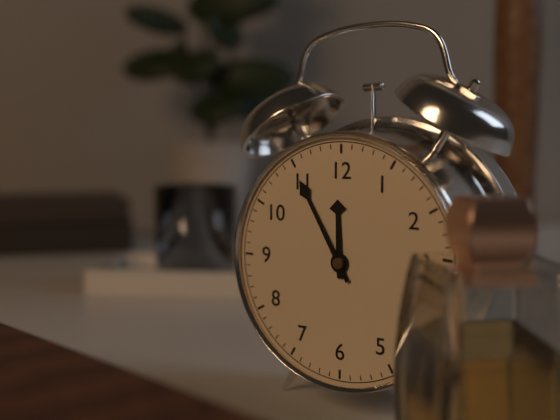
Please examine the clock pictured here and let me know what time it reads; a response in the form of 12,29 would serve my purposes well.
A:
11,55
